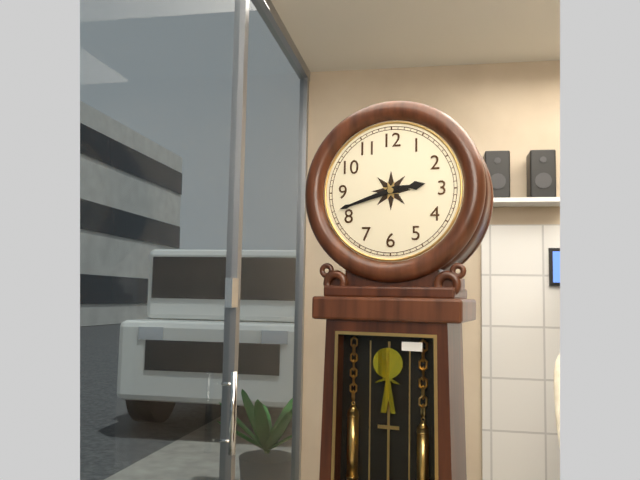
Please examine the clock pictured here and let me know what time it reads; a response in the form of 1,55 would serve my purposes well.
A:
2,42
